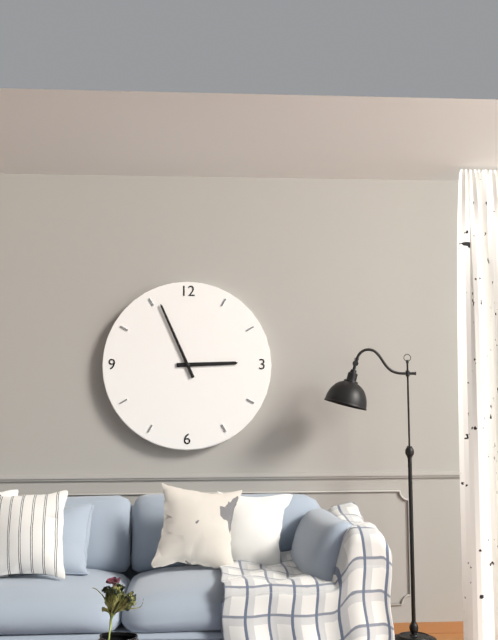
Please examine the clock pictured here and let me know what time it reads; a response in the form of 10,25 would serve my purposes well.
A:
2,56
